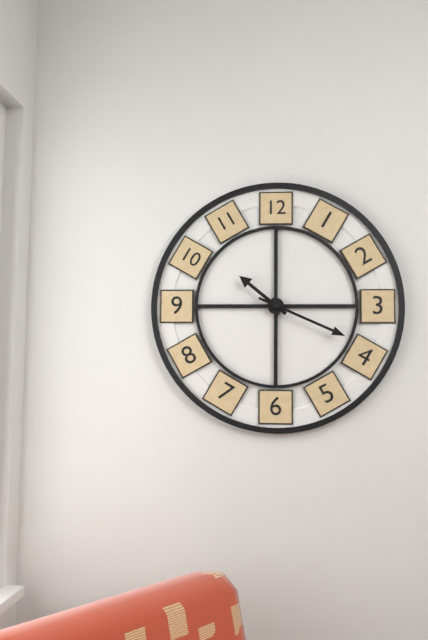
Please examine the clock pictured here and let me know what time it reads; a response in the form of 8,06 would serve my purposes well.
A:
10,19
